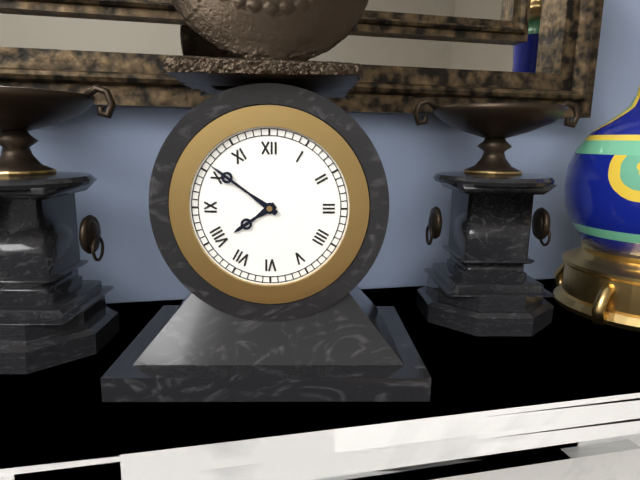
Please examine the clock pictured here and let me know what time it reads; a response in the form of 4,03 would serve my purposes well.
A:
7,51
